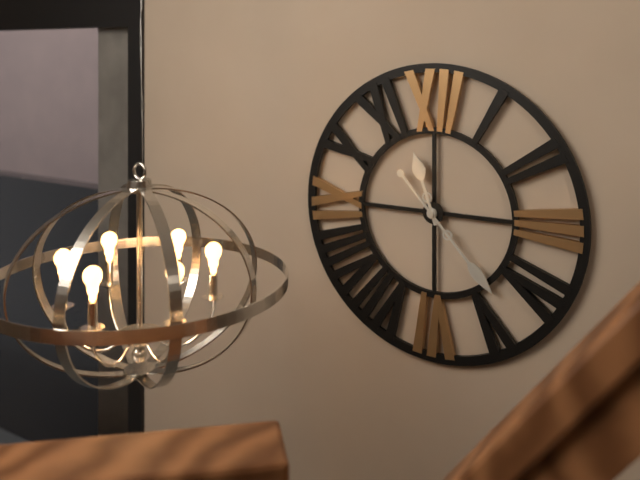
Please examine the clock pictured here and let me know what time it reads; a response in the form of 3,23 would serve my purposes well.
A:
11,23
